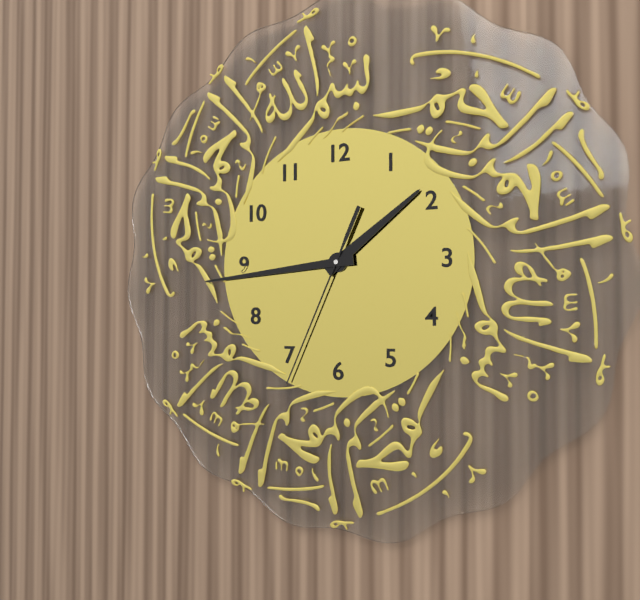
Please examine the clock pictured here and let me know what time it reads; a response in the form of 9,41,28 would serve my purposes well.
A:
1,44,34
